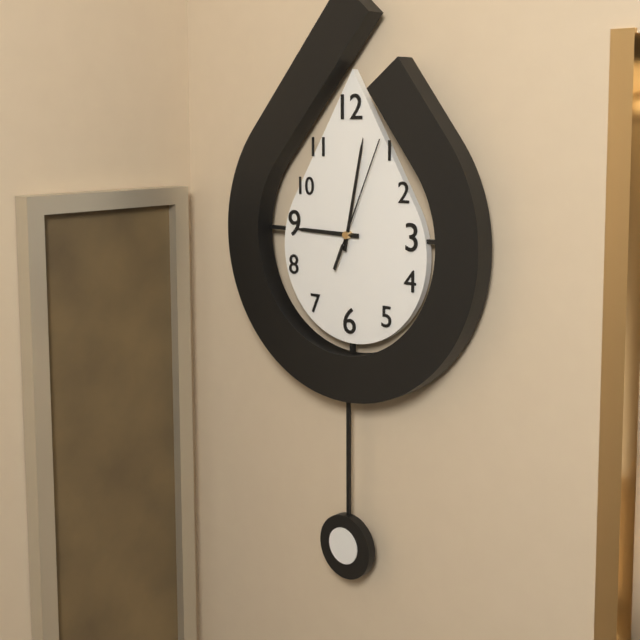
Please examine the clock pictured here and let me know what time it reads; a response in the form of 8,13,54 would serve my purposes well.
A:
9,02,04
